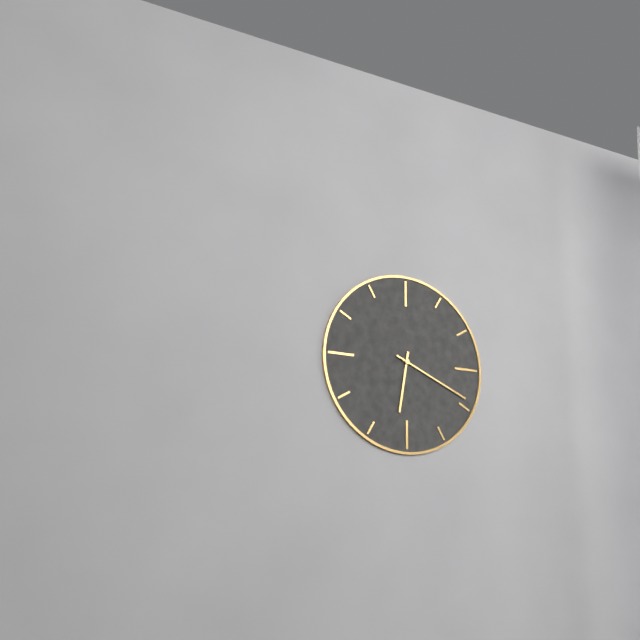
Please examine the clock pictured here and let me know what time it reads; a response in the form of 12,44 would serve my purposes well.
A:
6,19
